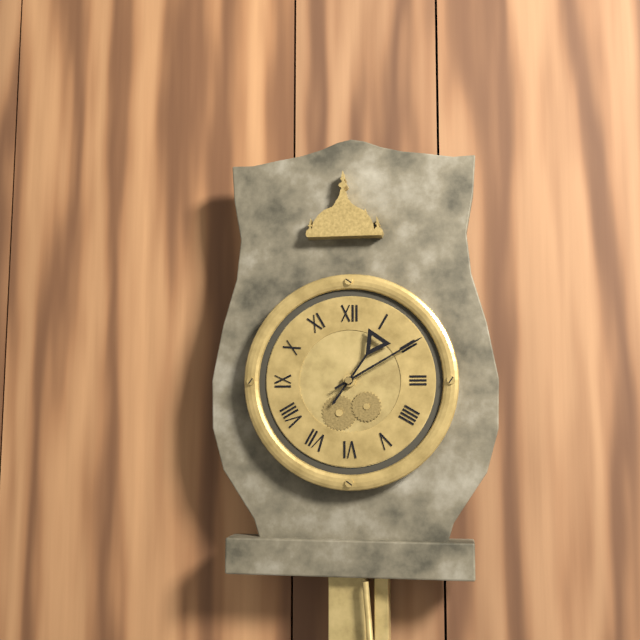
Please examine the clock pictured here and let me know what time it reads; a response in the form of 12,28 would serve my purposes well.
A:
1,10
